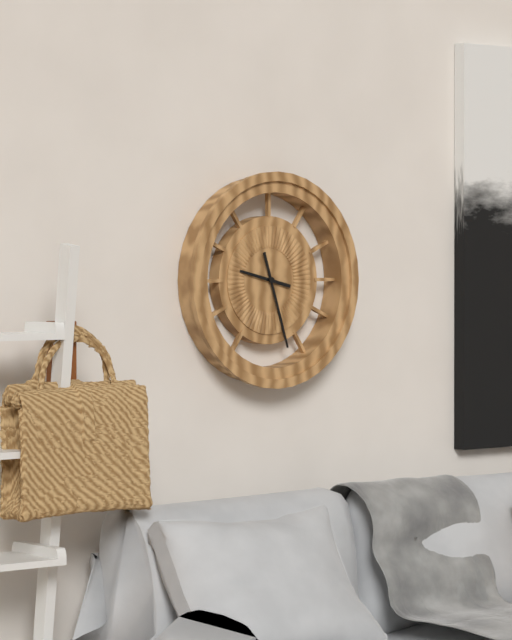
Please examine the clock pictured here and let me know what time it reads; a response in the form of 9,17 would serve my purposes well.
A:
9,27
